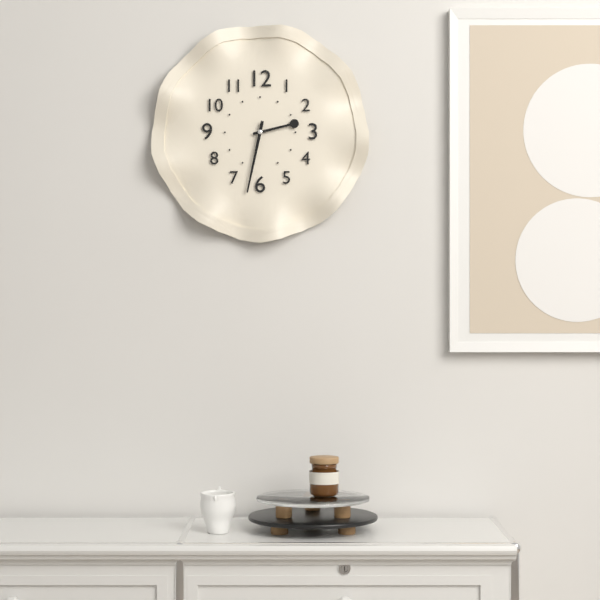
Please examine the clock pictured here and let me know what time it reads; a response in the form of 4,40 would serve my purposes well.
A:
2,32
